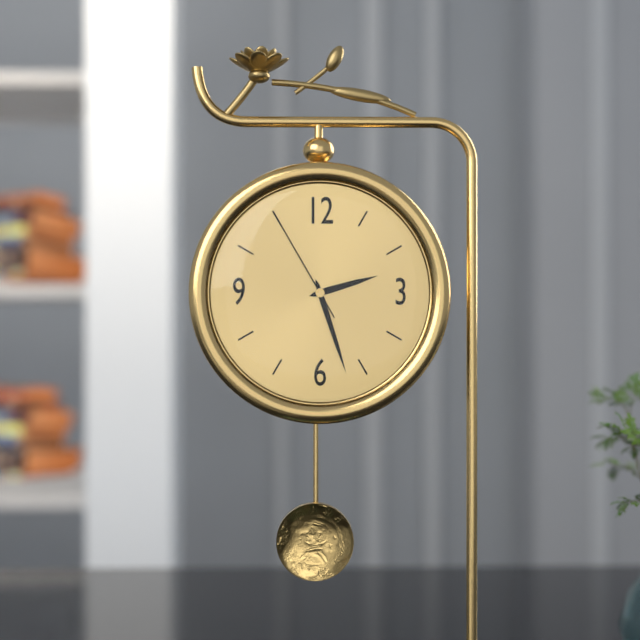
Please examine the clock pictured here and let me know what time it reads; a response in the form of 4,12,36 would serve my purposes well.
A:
2,27,55
